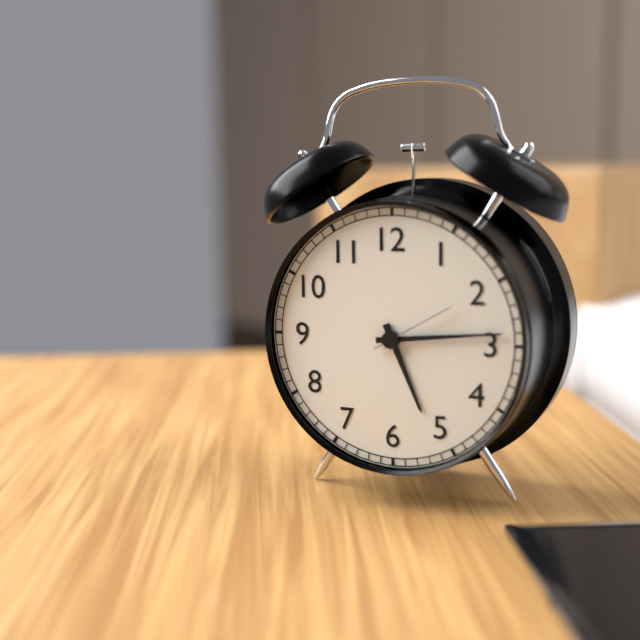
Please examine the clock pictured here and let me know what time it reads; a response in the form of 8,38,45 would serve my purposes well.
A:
5,14,10
